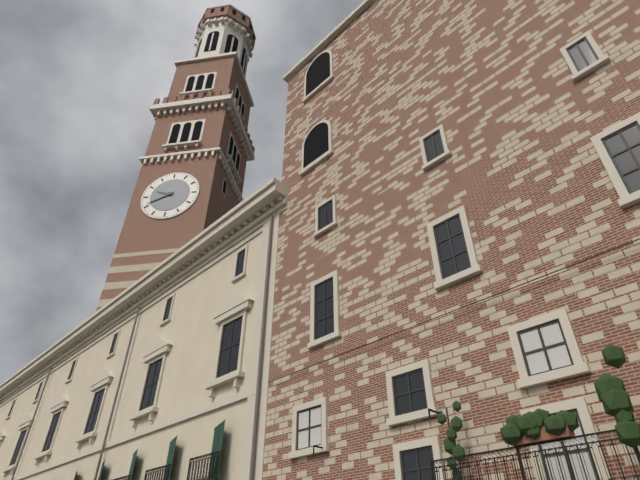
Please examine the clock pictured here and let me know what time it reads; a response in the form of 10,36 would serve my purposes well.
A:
9,41
